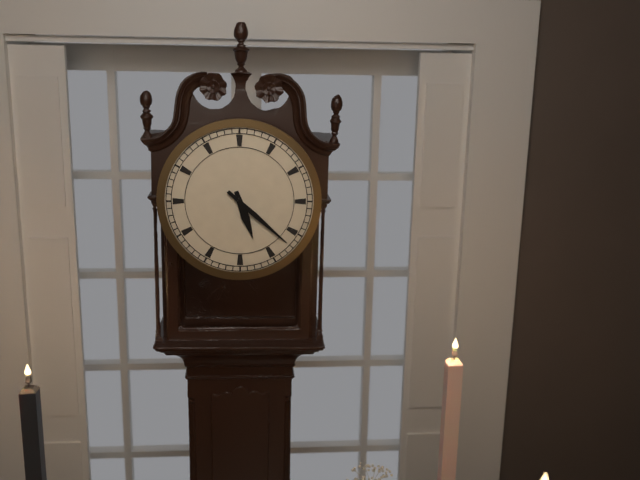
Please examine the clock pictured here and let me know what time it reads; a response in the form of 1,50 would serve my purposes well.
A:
5,22
